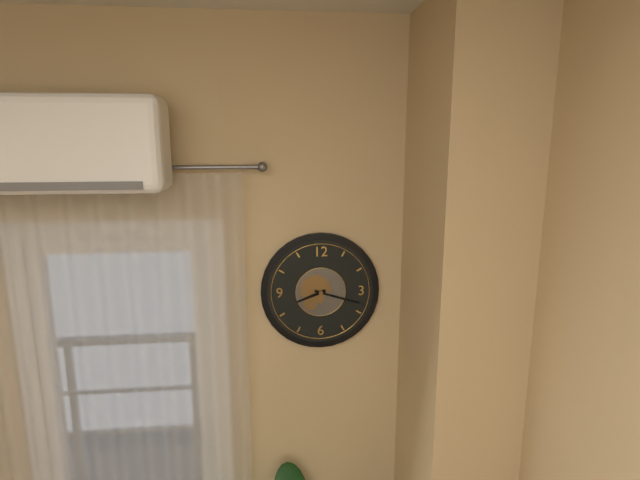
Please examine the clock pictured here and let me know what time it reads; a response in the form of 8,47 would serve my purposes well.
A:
8,18
